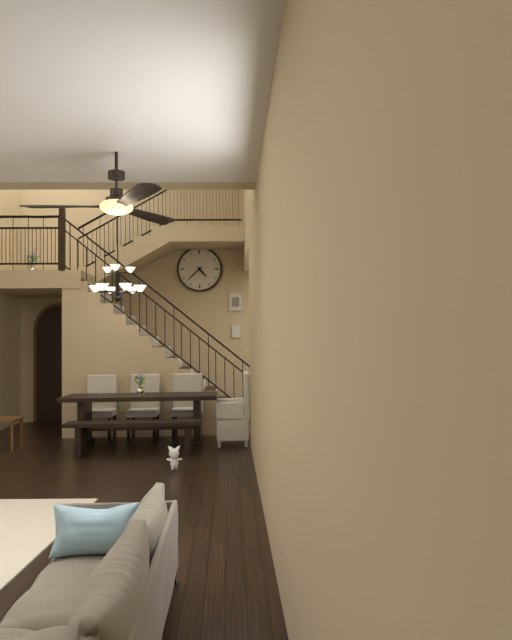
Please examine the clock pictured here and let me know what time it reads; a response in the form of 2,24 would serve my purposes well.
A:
4,38
